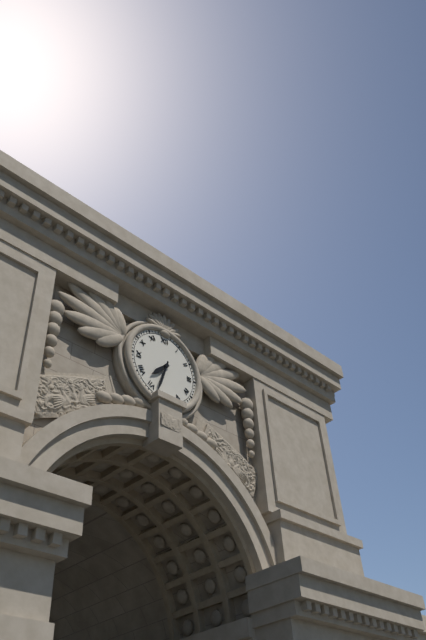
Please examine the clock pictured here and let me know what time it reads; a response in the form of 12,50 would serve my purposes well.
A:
7,33
